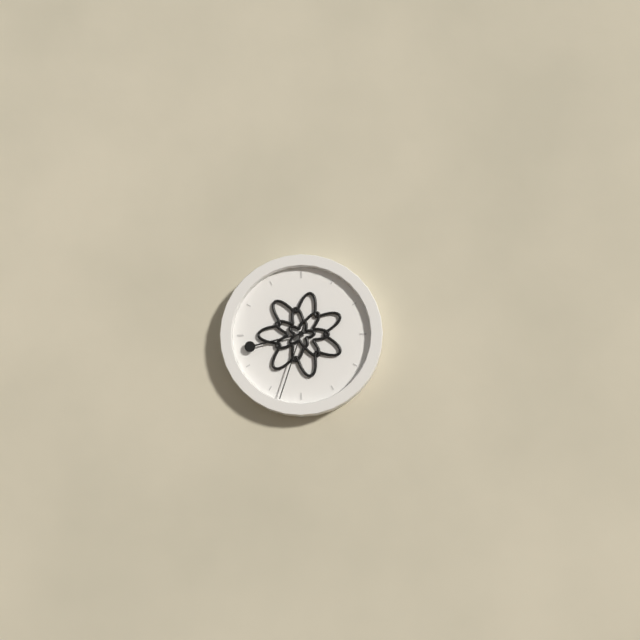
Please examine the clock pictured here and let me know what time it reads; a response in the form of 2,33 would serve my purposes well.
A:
8,33
